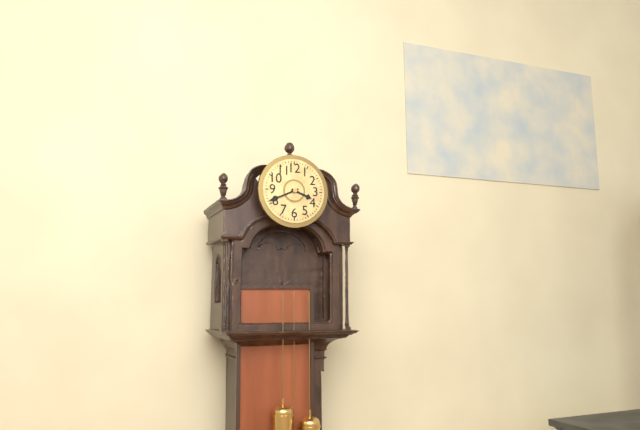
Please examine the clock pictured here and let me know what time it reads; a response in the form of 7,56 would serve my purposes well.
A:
3,41
